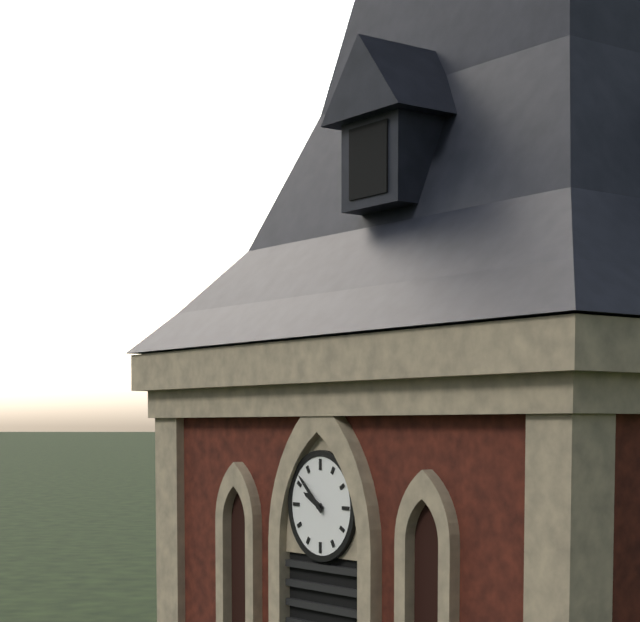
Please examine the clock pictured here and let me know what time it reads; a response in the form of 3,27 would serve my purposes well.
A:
9,52
